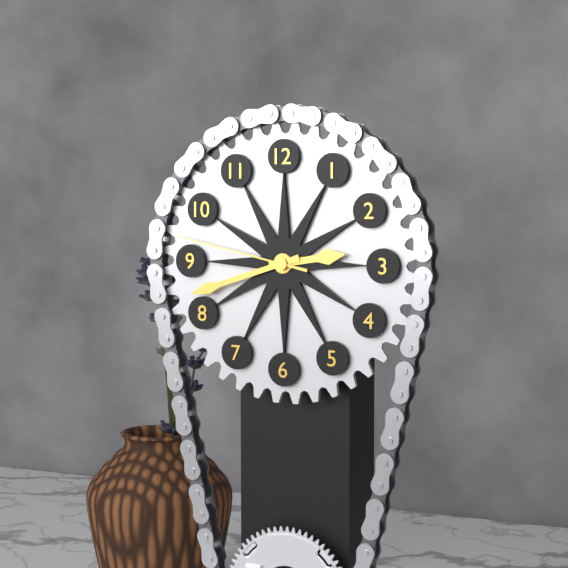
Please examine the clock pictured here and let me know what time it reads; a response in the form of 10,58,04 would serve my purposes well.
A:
2,42,47
